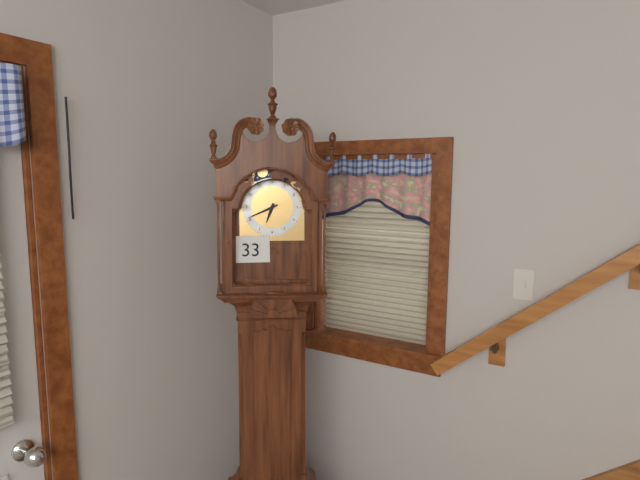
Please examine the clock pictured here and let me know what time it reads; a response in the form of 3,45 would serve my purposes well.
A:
6,41
